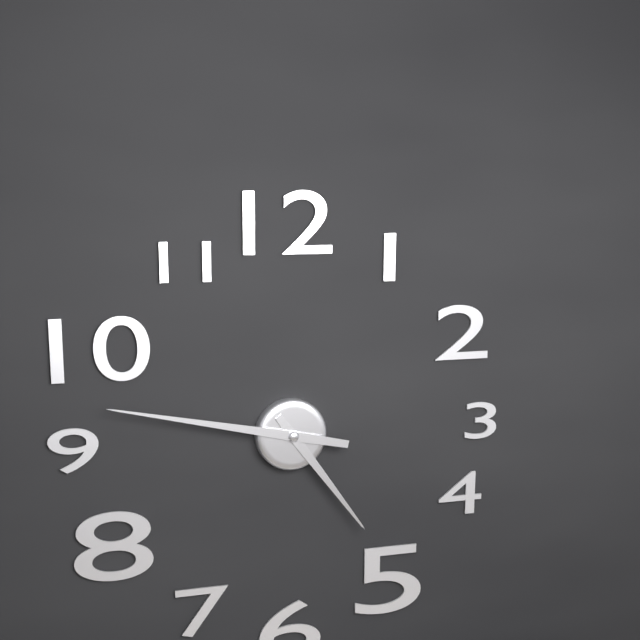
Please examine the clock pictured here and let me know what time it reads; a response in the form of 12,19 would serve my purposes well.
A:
4,47
